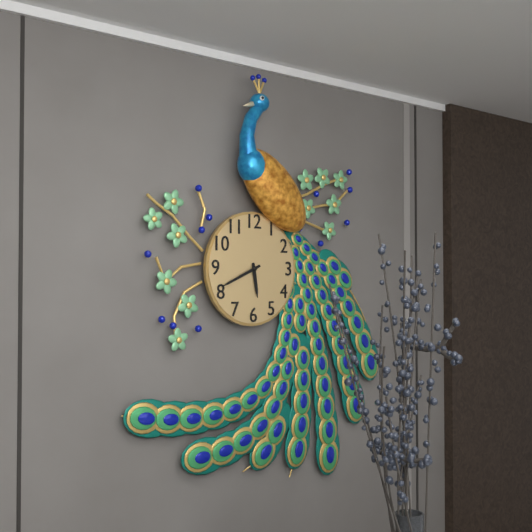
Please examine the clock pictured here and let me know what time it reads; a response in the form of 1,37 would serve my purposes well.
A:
5,41
